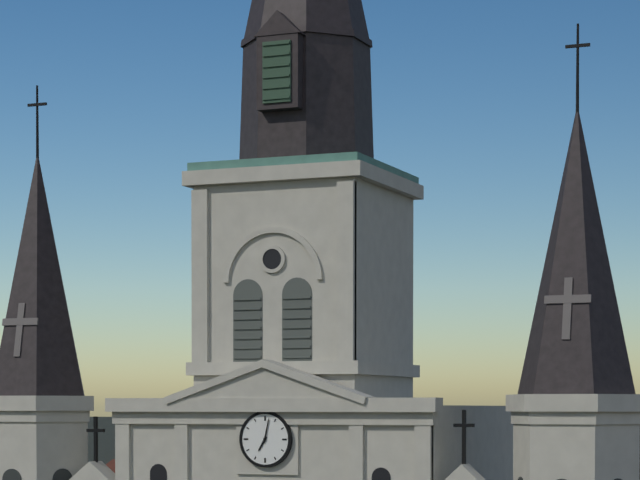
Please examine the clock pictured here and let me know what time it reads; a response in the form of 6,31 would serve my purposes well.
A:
7,02
